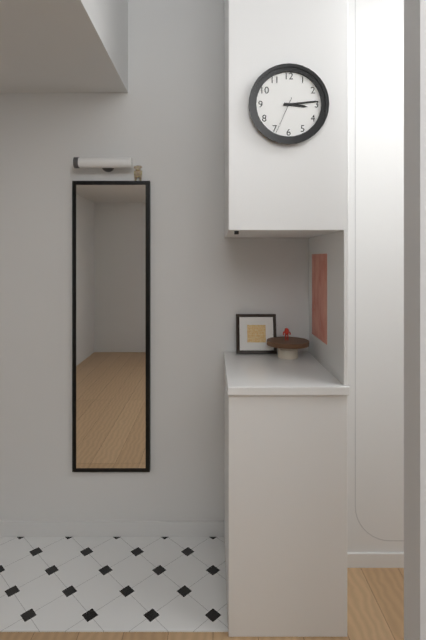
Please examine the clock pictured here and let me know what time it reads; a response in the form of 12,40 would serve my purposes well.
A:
3,14
